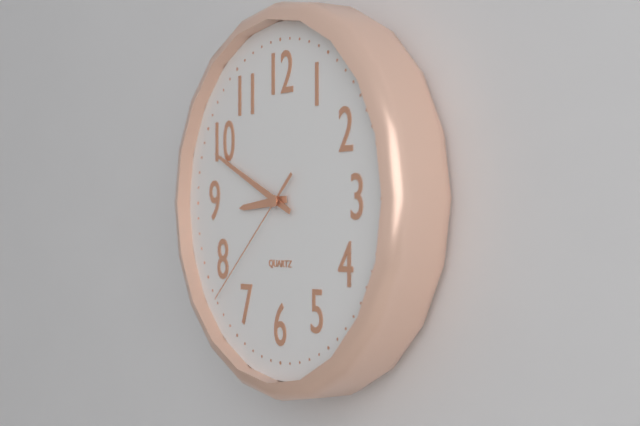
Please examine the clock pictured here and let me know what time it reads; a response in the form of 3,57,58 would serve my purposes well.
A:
8,49,38
